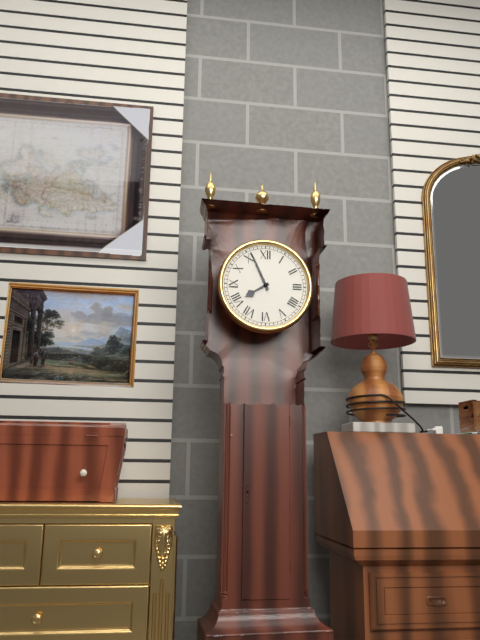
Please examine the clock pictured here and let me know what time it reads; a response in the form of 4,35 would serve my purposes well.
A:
7,56
